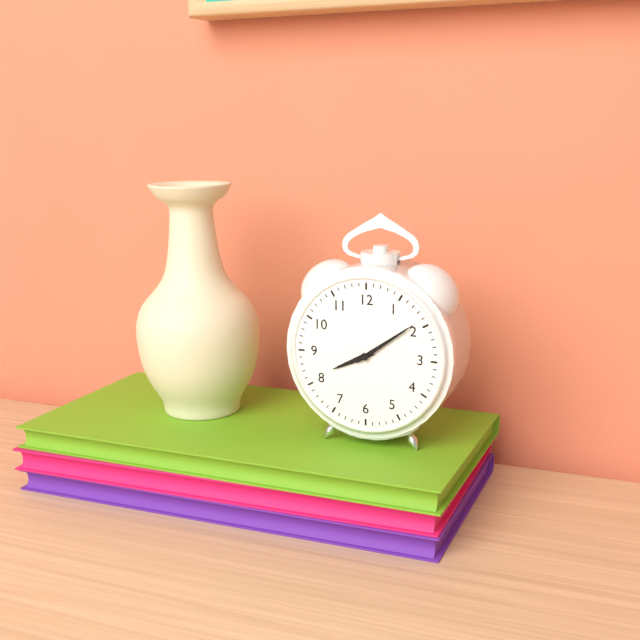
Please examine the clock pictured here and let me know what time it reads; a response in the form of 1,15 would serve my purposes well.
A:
8,09
